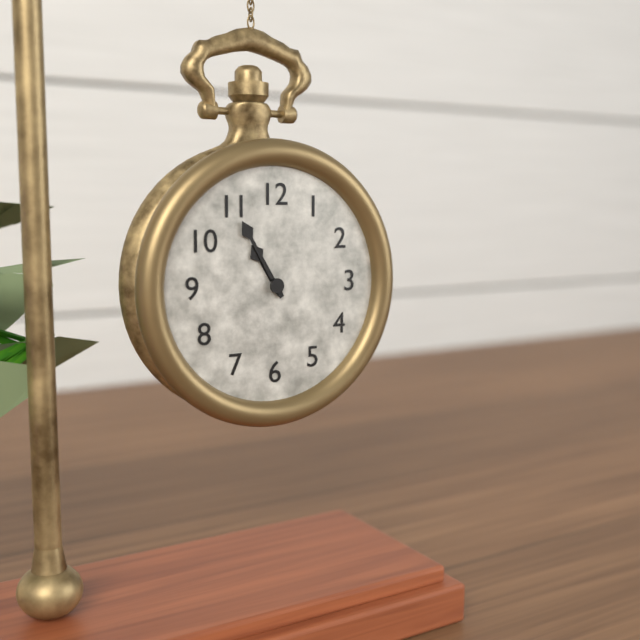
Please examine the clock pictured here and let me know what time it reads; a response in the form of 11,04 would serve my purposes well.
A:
10,55
